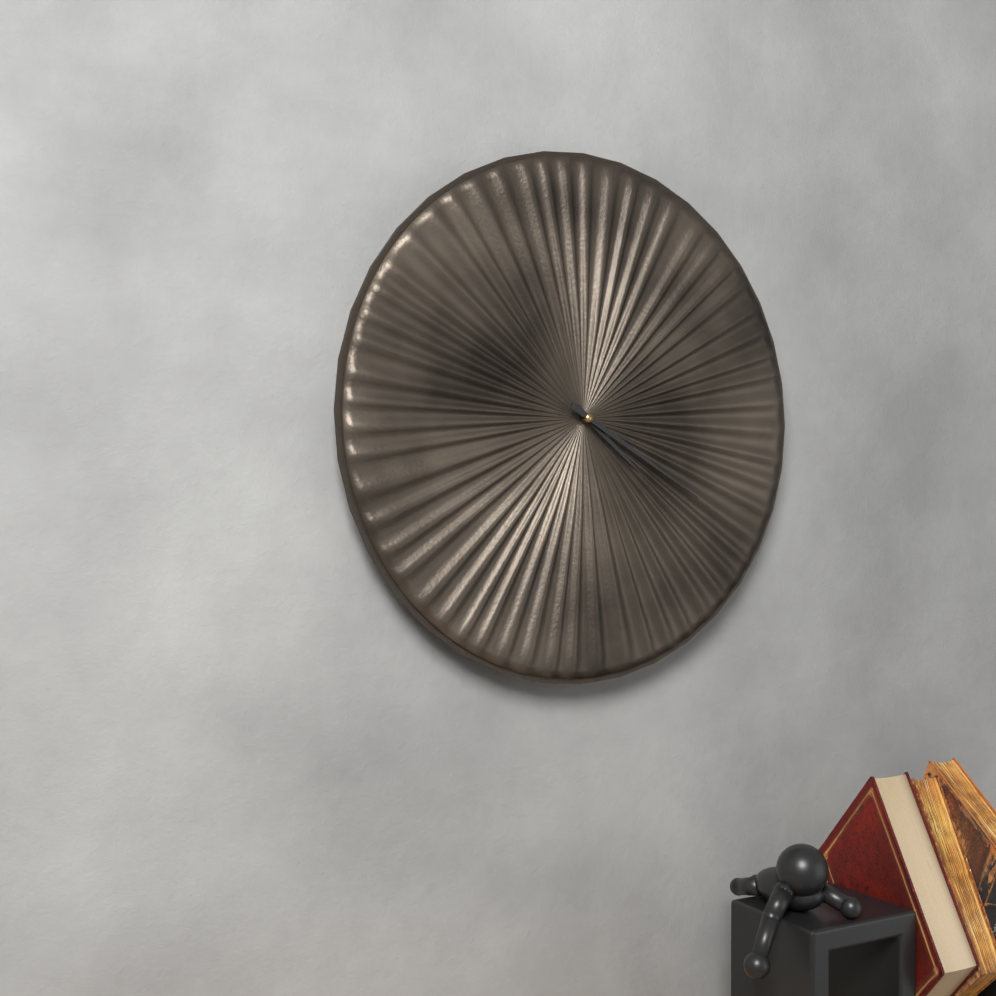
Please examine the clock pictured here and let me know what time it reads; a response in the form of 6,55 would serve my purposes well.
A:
4,20
